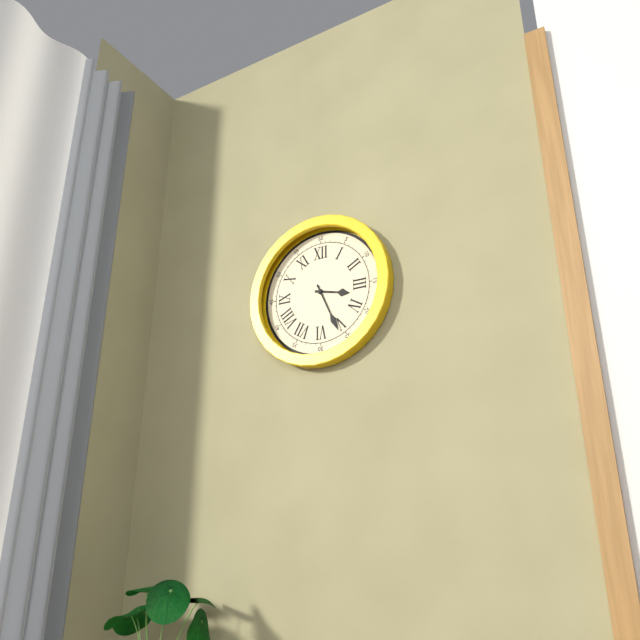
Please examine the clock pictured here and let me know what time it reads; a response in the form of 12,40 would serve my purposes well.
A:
3,26
